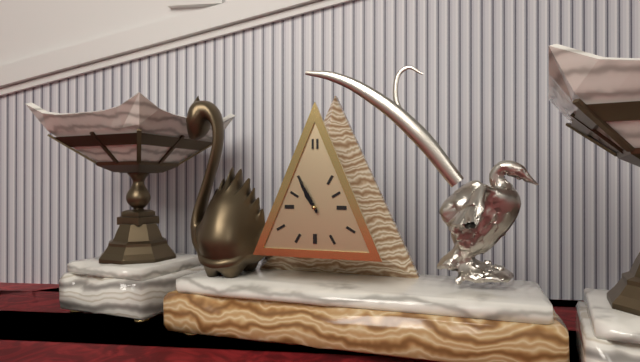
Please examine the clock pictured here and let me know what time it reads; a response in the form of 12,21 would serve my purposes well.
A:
10,55
